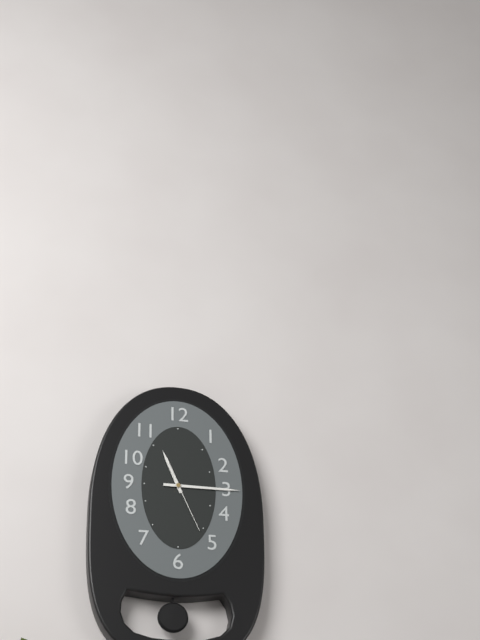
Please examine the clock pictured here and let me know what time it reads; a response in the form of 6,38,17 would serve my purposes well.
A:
11,15,26
